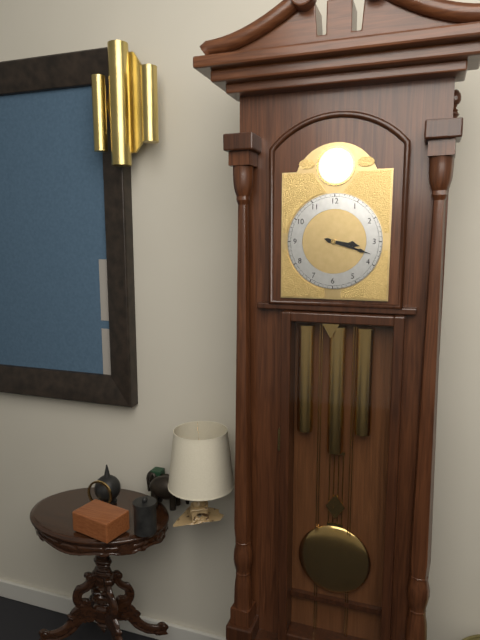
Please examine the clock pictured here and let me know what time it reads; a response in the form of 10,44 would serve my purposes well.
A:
3,18
